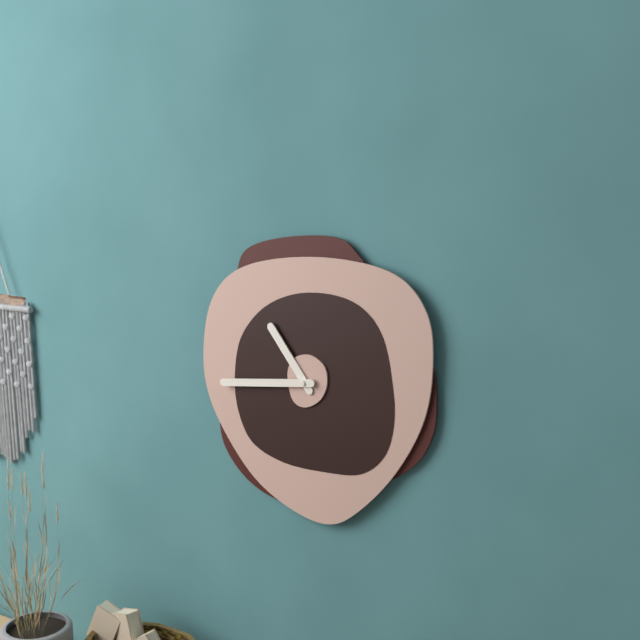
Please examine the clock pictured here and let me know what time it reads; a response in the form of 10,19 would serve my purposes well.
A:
10,44
